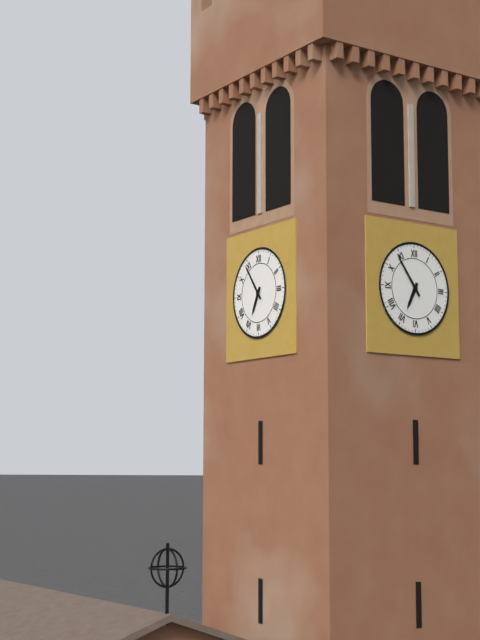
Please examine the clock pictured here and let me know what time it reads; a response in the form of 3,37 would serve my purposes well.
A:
6,54
